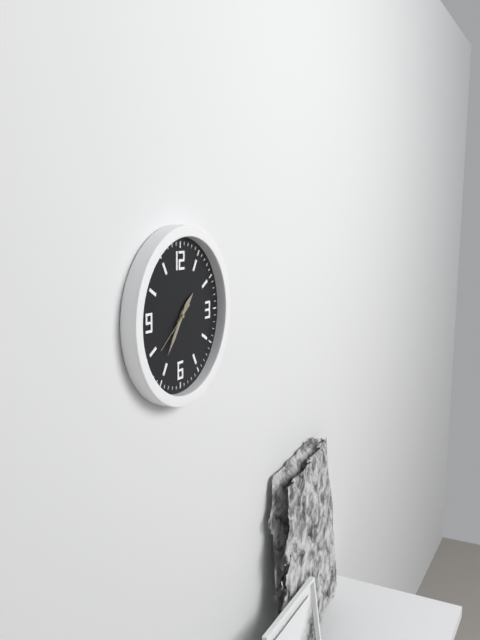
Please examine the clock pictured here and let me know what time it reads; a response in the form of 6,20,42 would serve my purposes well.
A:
1,36,39
